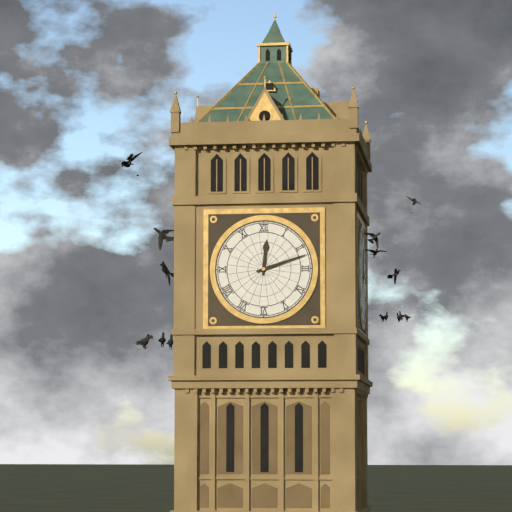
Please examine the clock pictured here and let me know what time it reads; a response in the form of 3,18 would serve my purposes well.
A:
12,12
